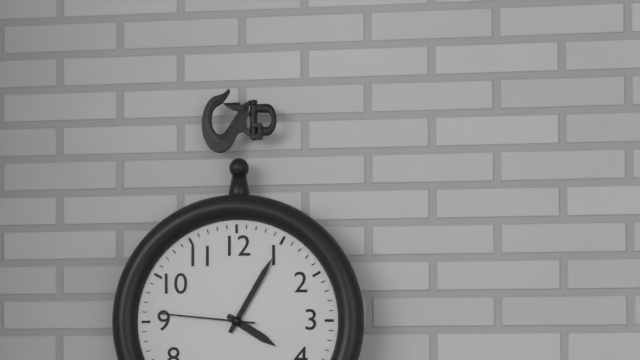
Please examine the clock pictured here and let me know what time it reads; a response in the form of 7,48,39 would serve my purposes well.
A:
4,05,46
